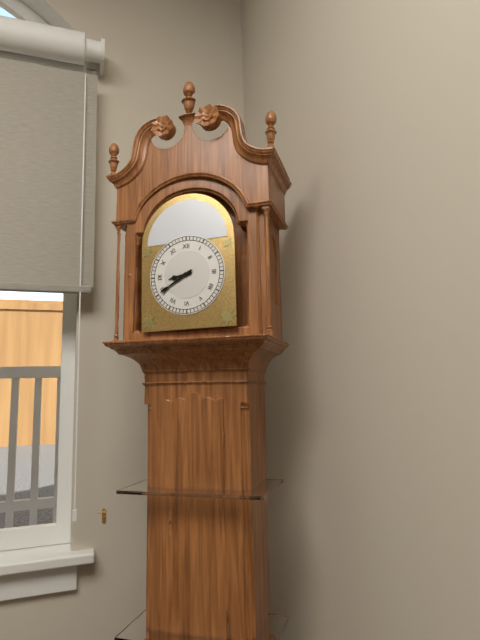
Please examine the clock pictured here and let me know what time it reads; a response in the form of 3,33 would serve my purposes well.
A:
8,40
